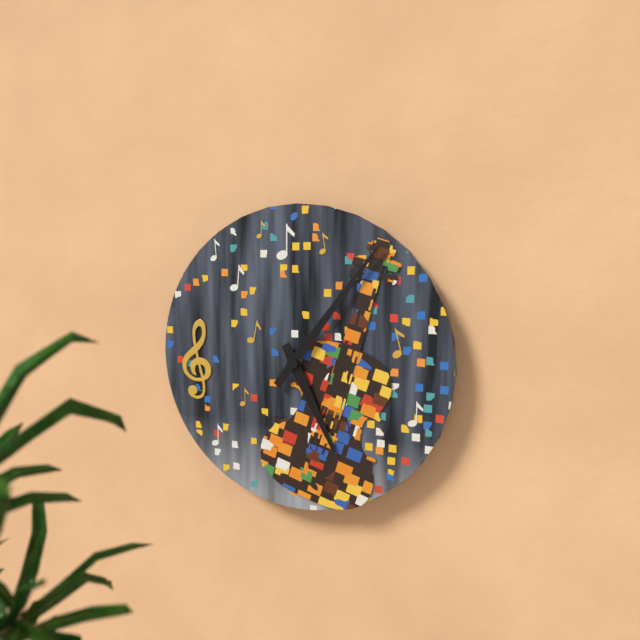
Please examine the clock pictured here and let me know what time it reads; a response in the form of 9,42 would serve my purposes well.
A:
5,06
